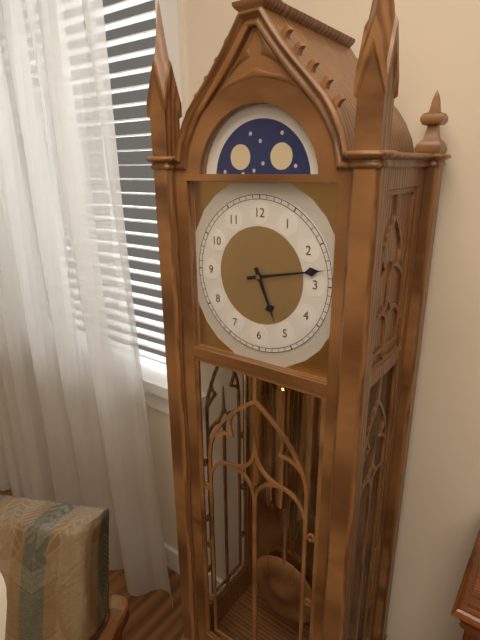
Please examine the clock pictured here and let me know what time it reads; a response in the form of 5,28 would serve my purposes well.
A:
5,13
